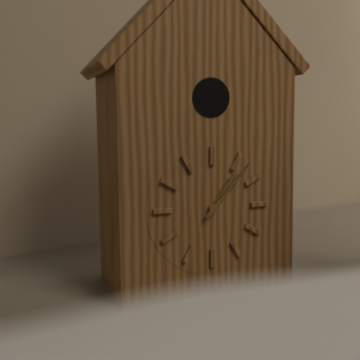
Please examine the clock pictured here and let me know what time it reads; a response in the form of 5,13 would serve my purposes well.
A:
1,07
